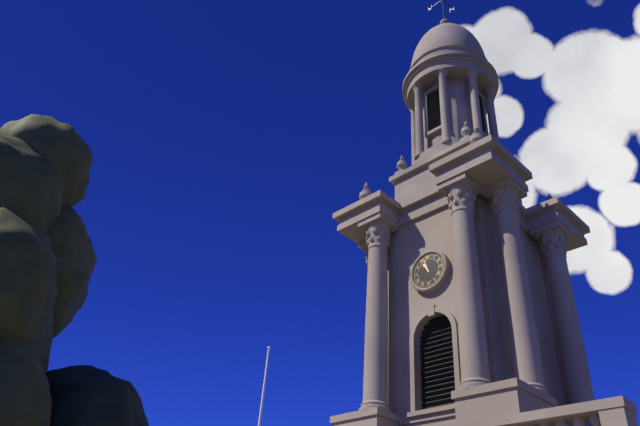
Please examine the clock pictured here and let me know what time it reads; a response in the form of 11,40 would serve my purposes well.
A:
10,57
